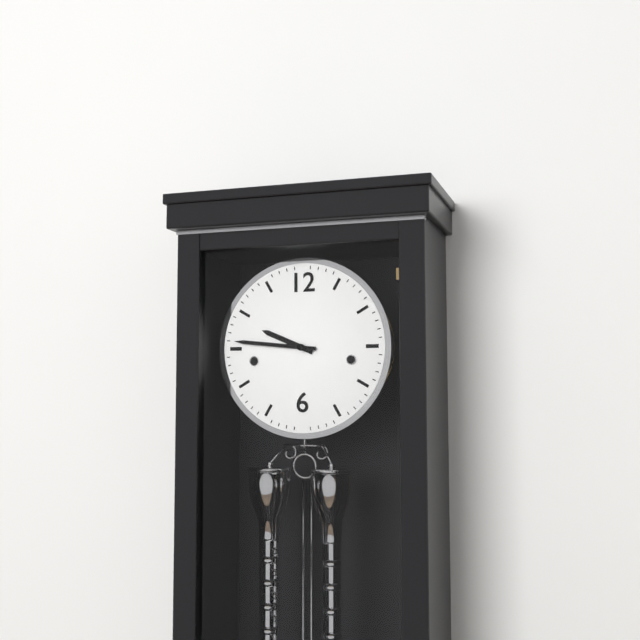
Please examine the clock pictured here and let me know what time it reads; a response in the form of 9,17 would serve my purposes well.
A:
9,46
